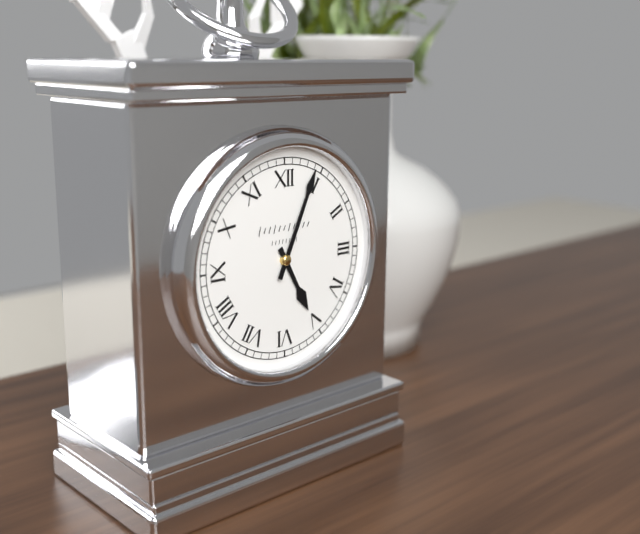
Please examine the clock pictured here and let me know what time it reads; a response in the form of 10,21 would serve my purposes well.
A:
5,04
